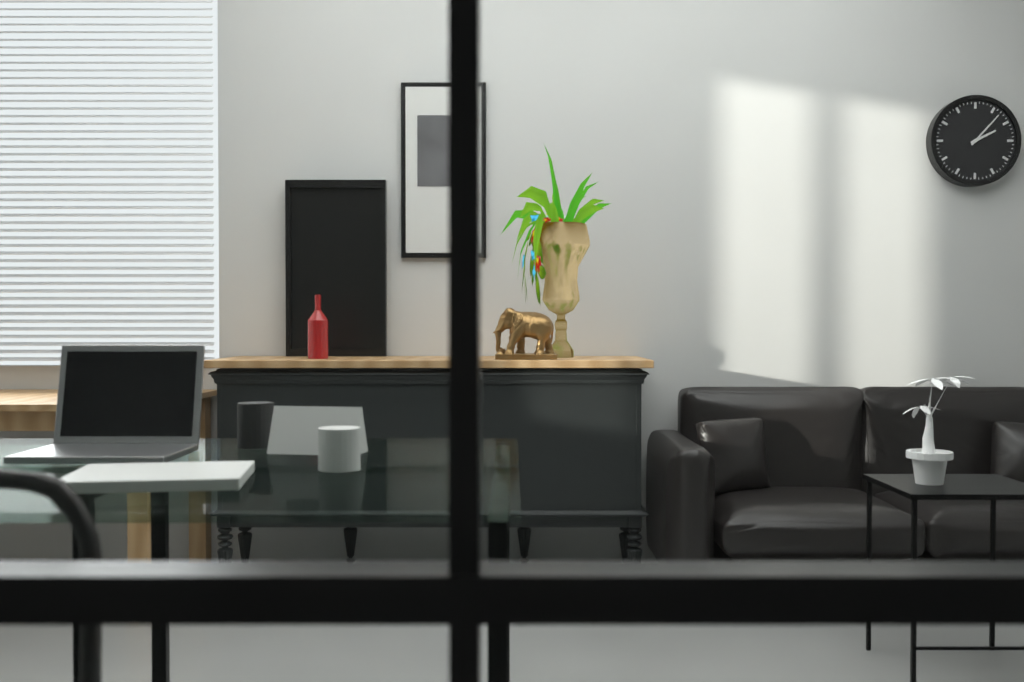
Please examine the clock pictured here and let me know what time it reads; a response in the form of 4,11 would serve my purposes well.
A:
2,07
